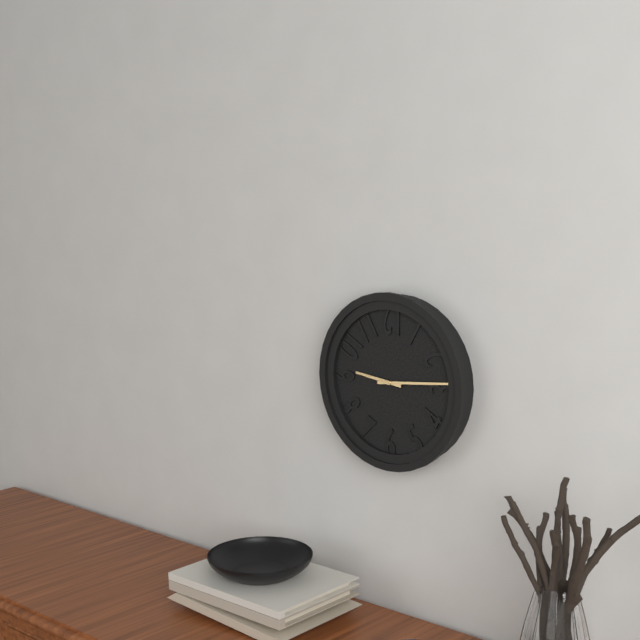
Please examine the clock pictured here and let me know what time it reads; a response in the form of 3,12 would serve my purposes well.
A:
9,14
